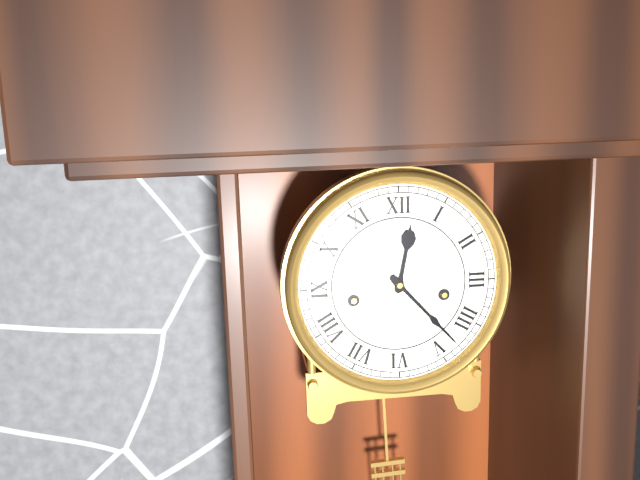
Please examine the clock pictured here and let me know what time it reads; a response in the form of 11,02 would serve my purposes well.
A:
12,23
